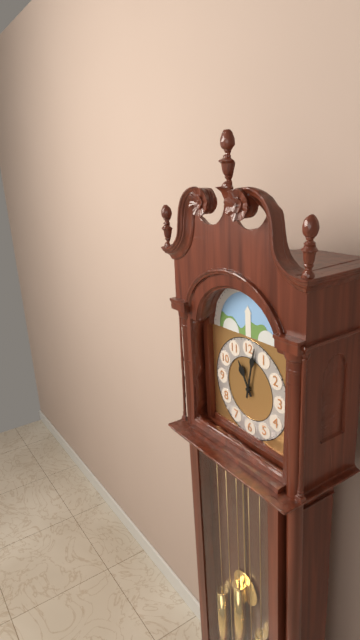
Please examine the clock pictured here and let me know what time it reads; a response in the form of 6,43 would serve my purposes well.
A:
11,02
